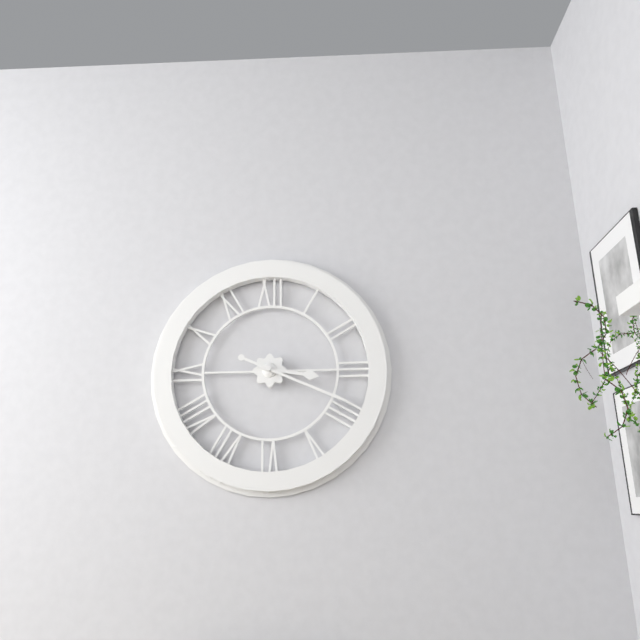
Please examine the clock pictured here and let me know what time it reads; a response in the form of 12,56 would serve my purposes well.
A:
3,19
